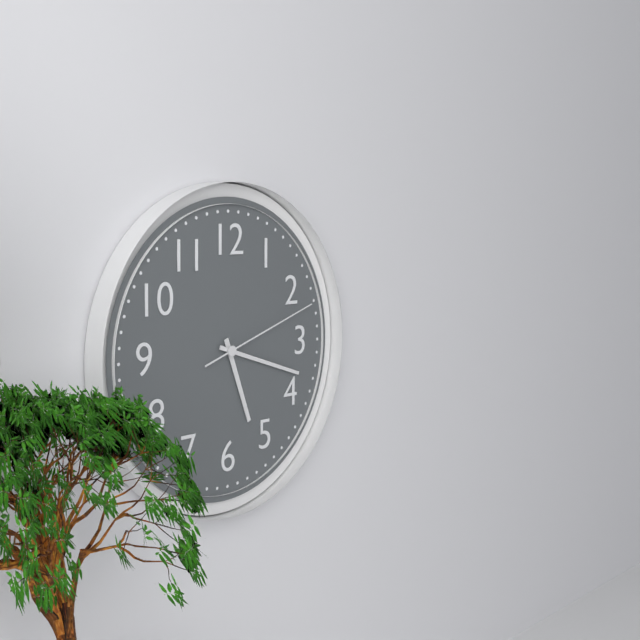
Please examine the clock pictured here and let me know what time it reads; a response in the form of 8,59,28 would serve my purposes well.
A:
5,18,12
